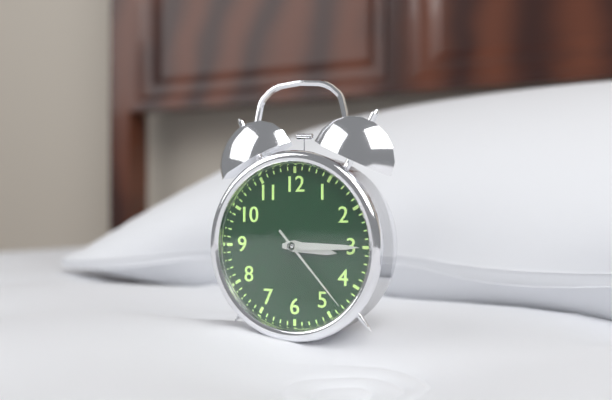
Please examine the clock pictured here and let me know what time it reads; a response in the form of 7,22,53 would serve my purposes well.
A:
3,15,23
